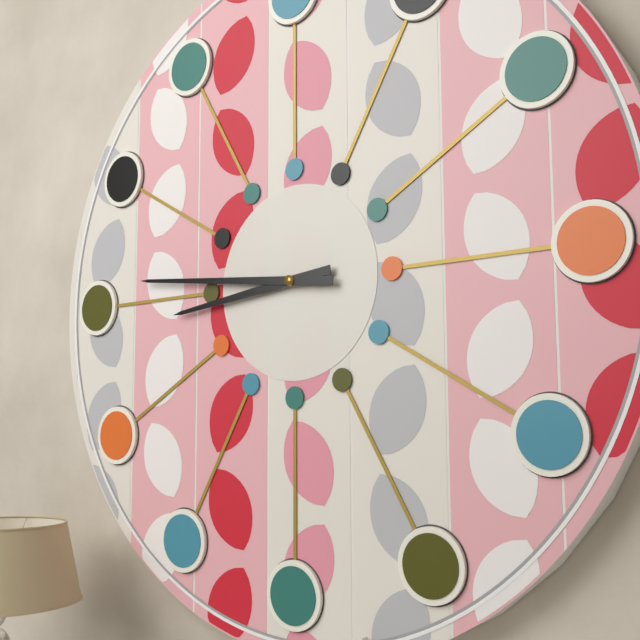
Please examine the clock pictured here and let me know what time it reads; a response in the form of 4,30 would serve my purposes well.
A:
8,46
